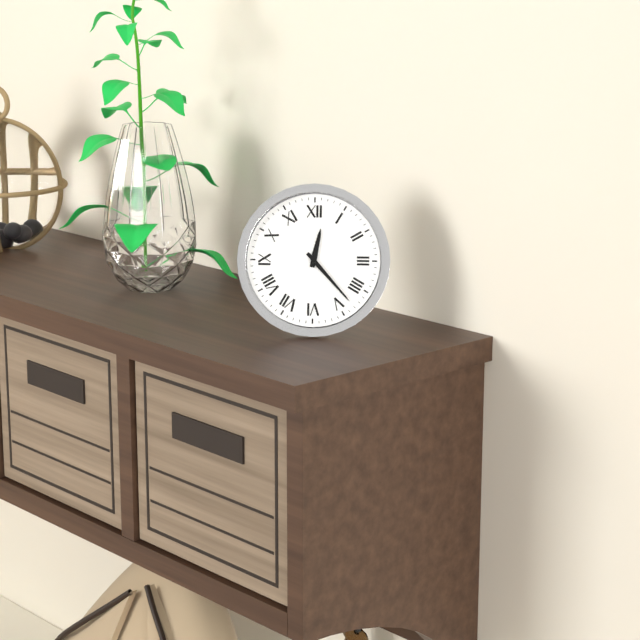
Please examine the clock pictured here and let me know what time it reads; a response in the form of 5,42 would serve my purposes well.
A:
12,23
